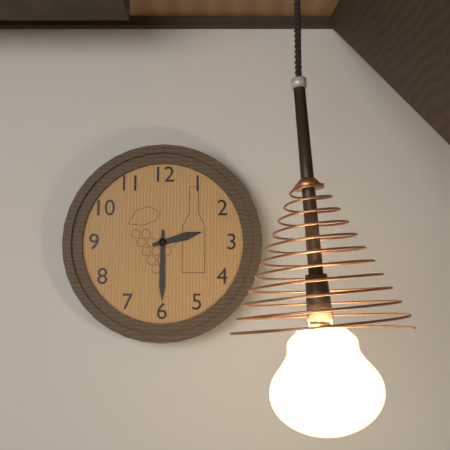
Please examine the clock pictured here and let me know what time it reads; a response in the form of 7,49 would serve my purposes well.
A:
2,30
